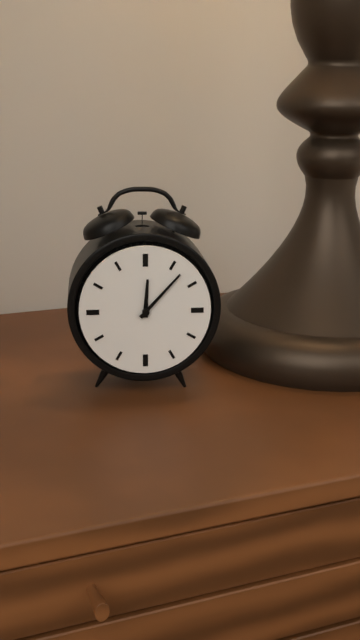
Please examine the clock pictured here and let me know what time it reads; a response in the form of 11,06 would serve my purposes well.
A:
12,07
